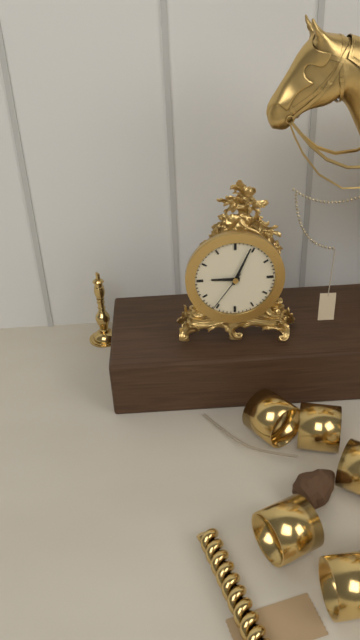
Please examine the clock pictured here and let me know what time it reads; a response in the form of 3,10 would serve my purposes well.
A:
9,04
